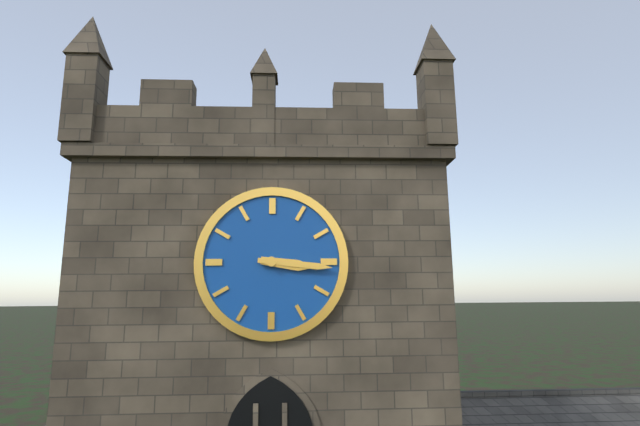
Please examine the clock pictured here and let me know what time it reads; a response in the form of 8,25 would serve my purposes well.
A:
3,16
